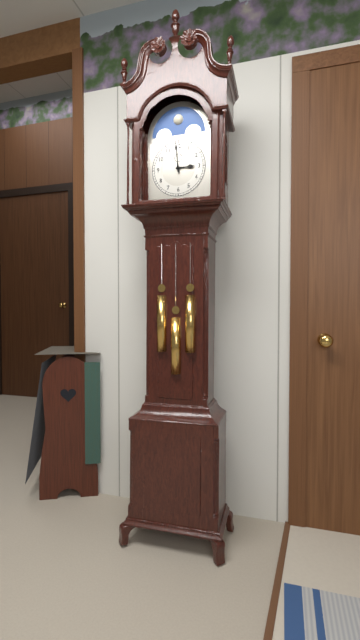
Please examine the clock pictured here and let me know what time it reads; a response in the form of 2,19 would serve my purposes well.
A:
2,59
